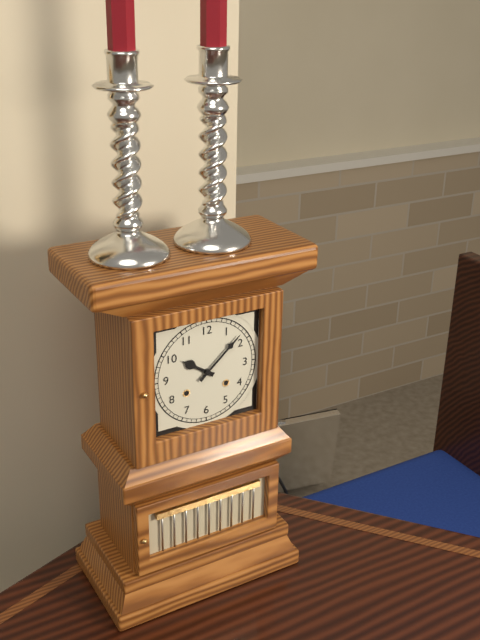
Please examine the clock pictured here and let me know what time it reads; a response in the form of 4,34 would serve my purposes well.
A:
10,08
